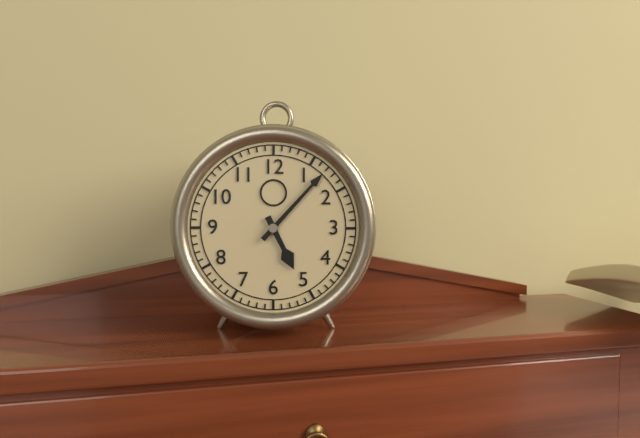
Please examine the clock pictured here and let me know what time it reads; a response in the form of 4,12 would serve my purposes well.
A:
5,07
